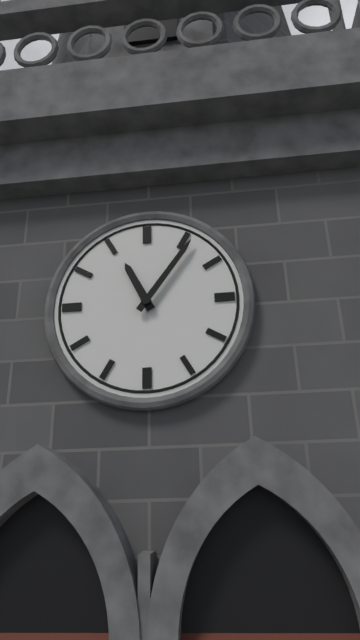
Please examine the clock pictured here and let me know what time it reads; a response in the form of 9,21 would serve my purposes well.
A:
11,06
